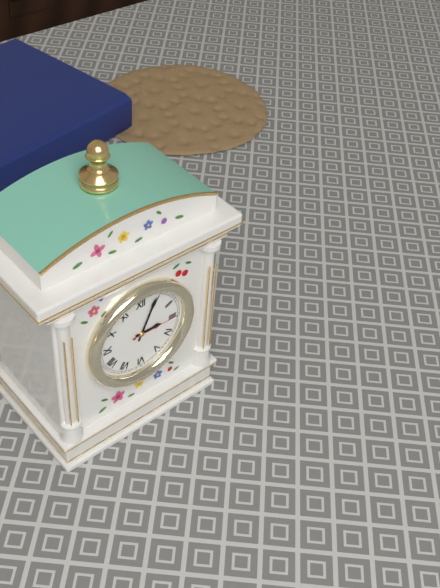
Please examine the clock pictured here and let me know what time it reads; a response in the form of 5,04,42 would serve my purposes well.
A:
3,04,15
